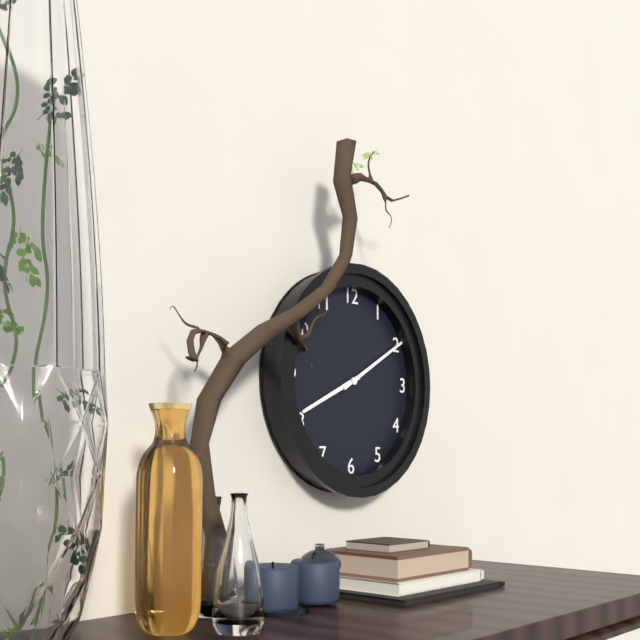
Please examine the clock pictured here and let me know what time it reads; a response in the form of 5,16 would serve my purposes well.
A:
8,10
